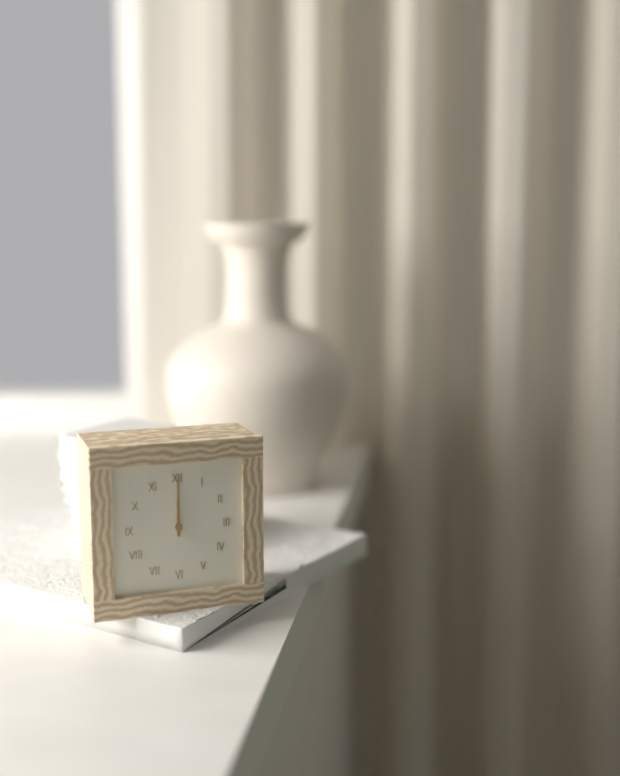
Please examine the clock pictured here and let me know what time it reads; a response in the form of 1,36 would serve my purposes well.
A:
12,00
